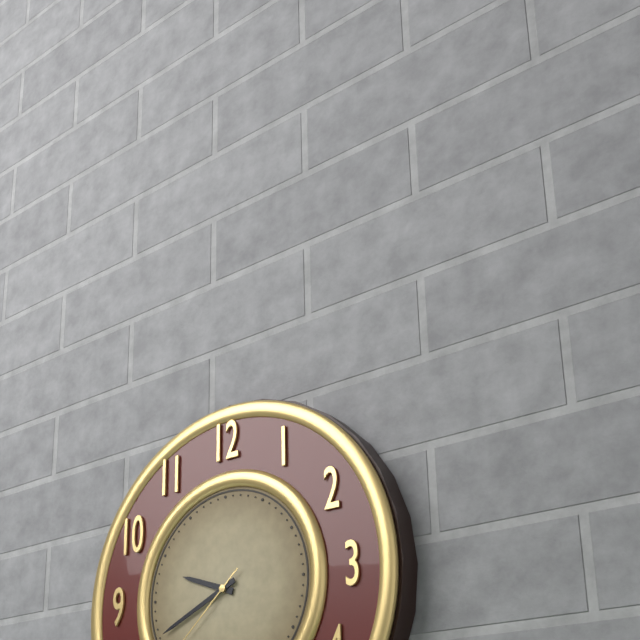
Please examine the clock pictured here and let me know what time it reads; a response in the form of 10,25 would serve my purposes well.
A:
9,41
